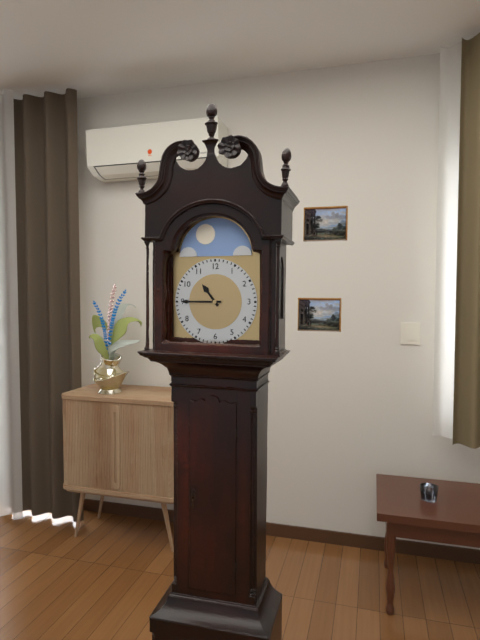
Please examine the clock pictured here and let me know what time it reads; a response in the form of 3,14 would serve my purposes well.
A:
10,45
